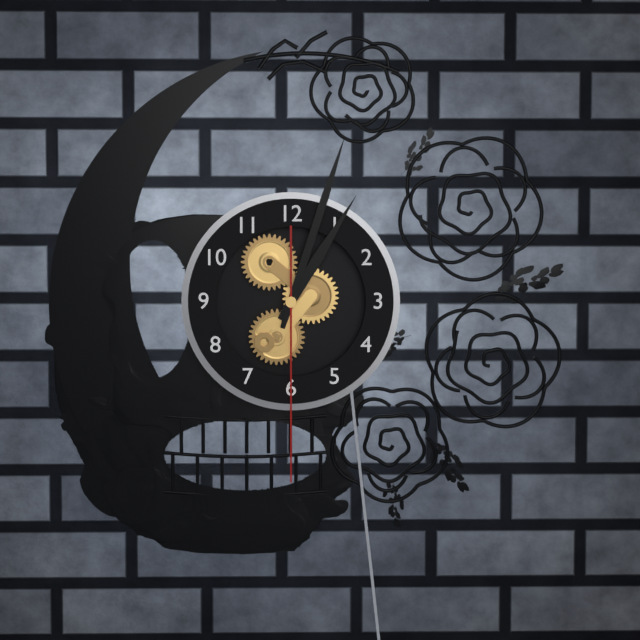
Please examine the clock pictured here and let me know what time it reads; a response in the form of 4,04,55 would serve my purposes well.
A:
1,03,30
